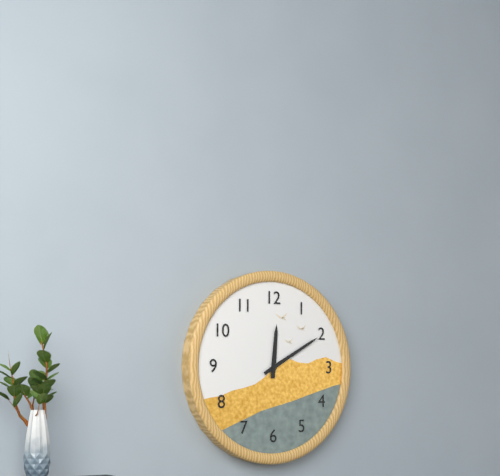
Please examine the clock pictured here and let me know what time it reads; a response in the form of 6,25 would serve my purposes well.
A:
12,10
